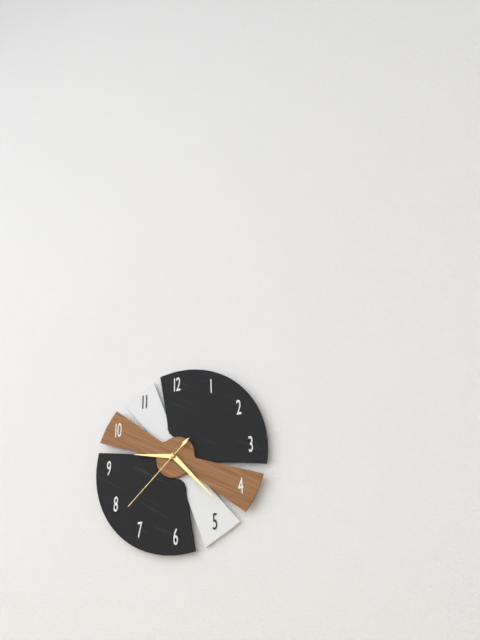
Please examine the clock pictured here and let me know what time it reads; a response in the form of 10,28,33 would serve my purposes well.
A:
9,23,38
